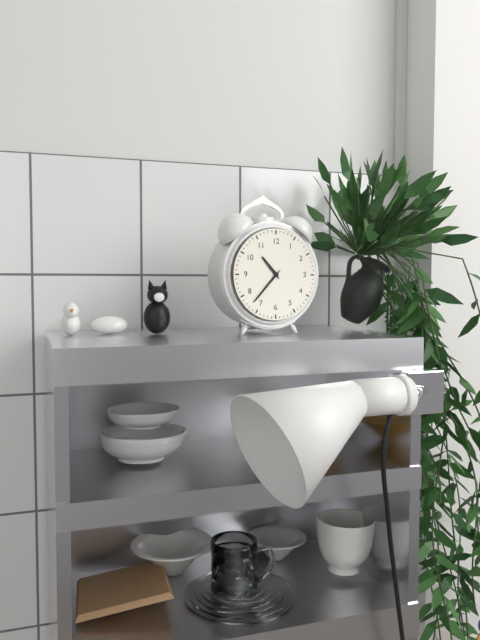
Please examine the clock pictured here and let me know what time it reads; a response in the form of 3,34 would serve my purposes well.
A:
10,37
